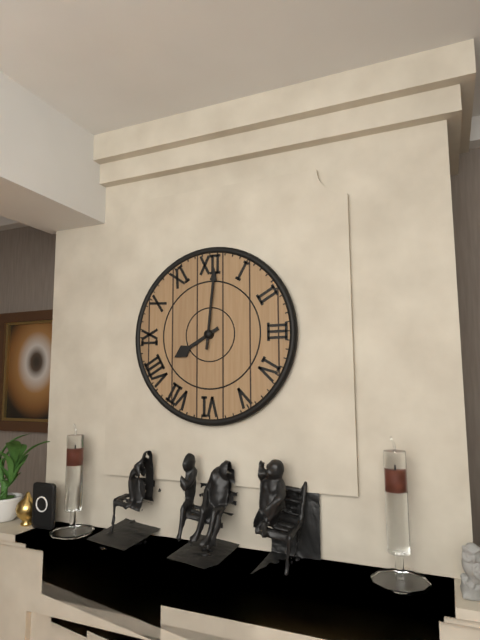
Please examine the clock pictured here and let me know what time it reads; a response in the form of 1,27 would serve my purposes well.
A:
8,01
